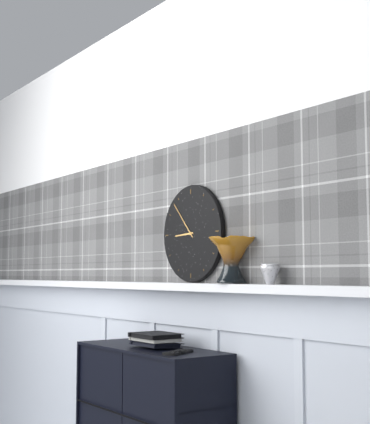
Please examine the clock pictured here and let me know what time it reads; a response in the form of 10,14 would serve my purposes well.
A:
8,53
